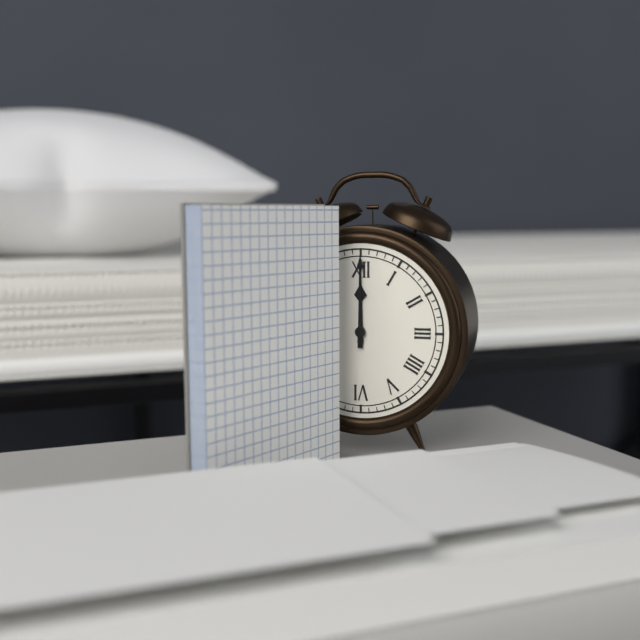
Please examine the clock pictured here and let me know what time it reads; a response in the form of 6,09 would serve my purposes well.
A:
12,00
